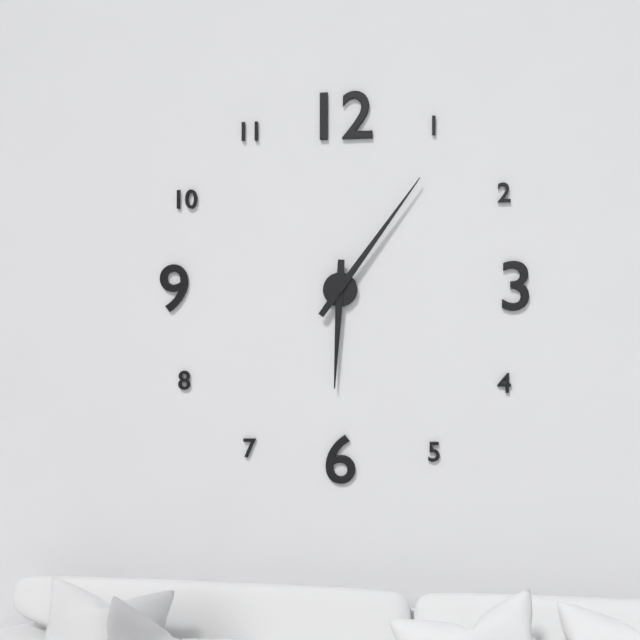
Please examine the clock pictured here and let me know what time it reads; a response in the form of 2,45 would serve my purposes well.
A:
6,06
